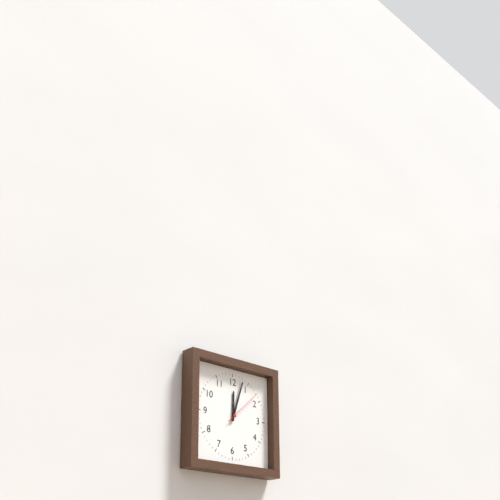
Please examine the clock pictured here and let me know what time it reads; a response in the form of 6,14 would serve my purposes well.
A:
12,03
